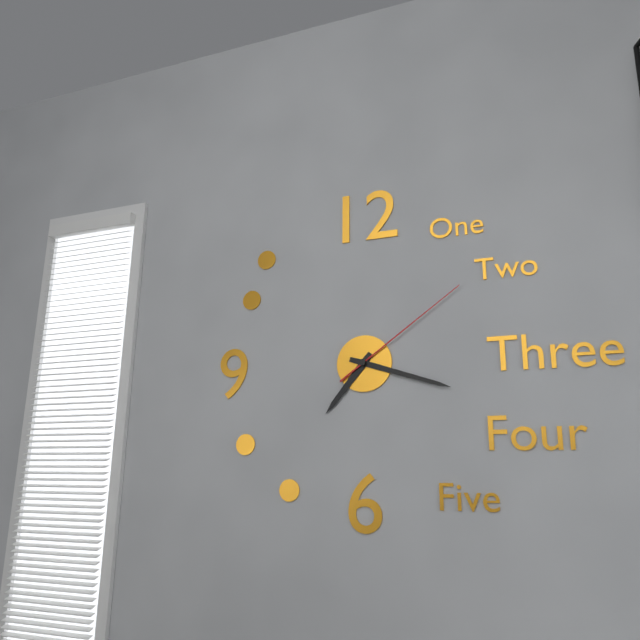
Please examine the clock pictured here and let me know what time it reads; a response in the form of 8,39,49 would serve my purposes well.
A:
7,18,09
